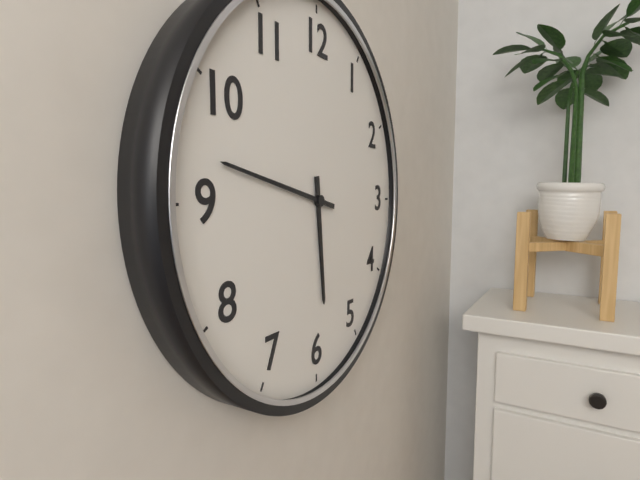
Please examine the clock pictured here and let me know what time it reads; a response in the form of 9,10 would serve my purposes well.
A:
5,47
